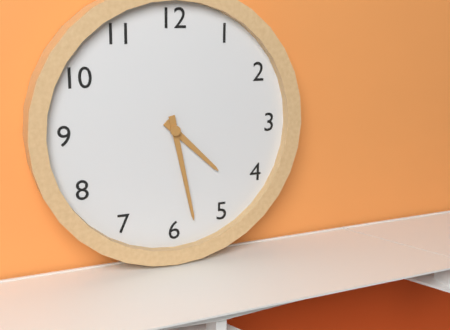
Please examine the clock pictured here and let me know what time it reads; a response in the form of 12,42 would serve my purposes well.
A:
4,28
